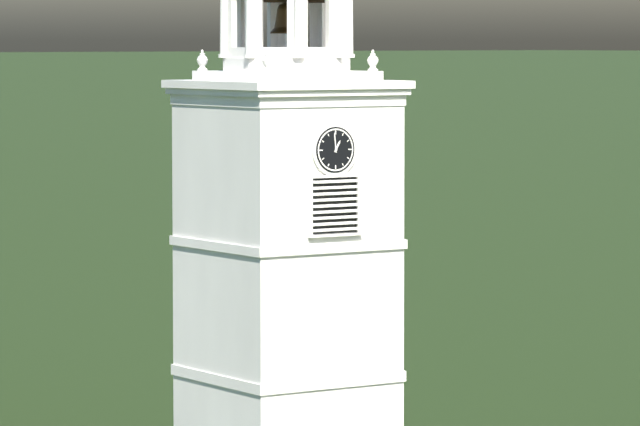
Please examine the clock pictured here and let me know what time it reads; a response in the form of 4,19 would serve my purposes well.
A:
12,59
